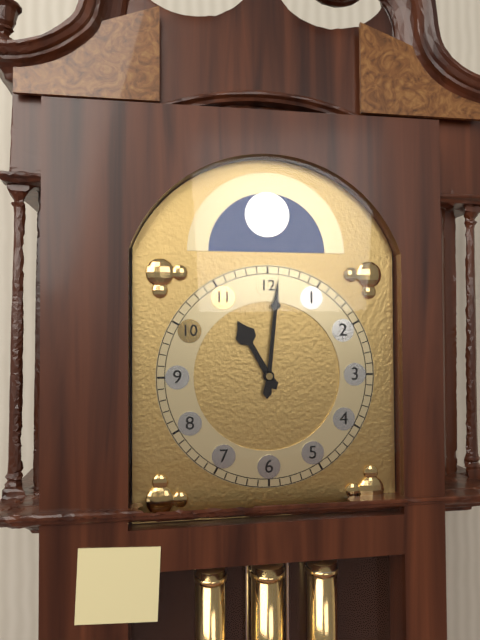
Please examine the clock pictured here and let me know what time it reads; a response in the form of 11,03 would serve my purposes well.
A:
11,01
